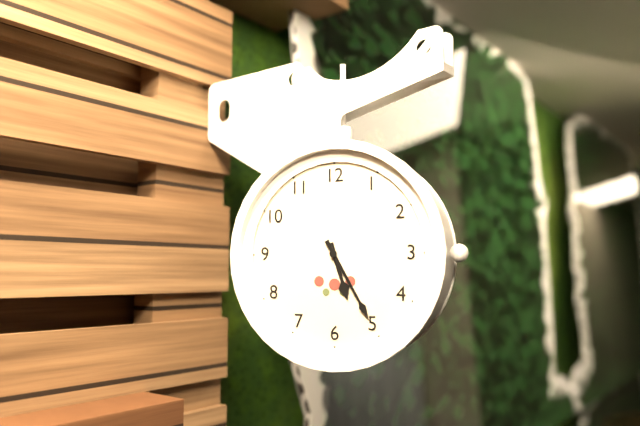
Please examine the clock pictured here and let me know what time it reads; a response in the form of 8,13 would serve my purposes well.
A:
5,25
